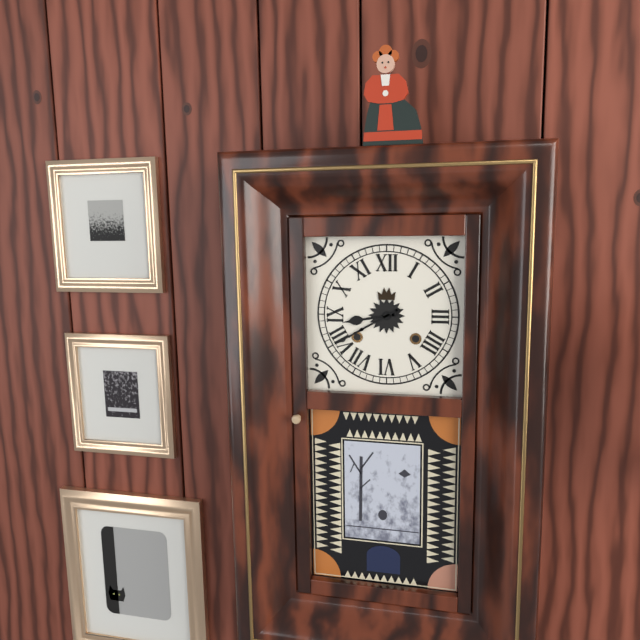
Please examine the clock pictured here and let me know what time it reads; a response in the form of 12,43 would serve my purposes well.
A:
8,40
